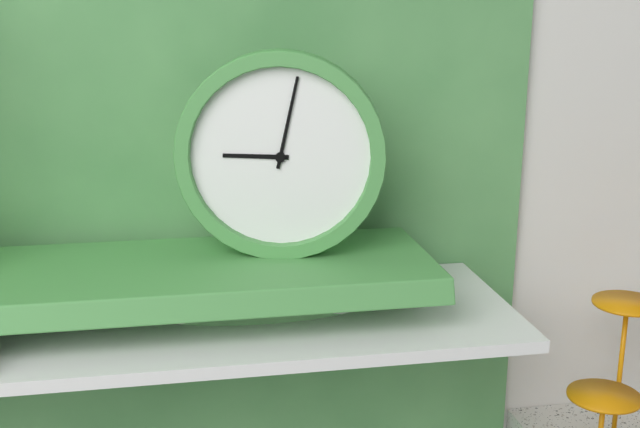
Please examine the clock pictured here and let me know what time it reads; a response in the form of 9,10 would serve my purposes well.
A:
9,02
